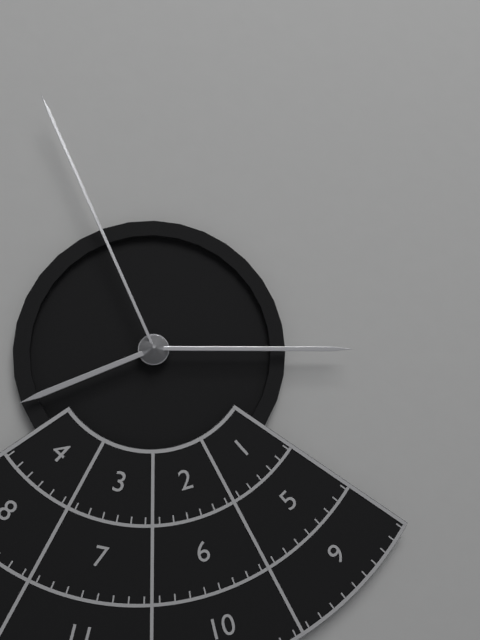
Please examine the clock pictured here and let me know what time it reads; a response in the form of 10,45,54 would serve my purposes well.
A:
8,15,56
